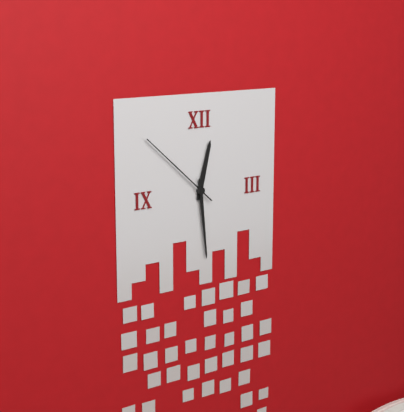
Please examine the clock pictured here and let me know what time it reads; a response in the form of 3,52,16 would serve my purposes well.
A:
12,29,52
